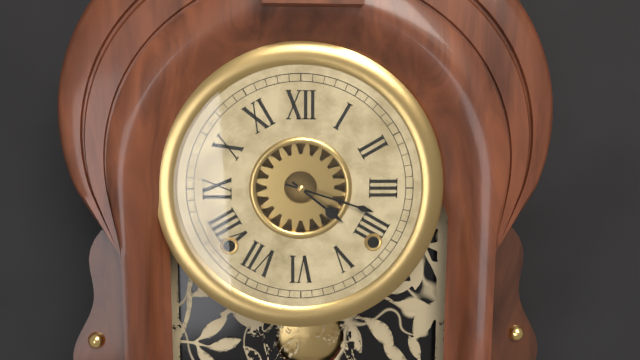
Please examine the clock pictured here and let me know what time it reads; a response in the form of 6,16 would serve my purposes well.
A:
4,18
